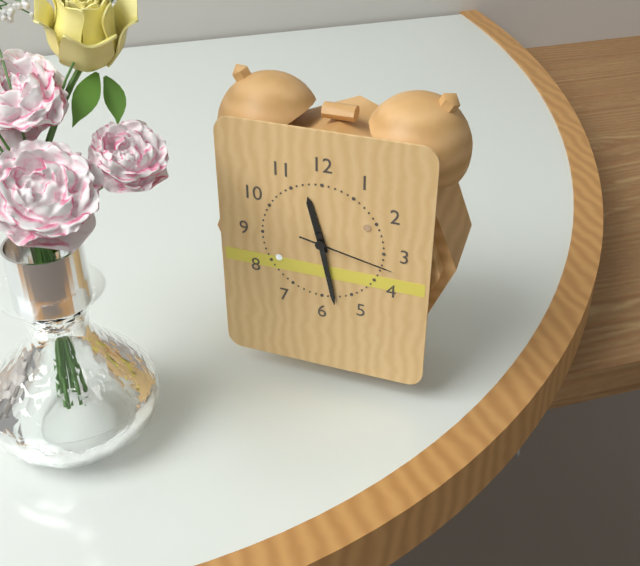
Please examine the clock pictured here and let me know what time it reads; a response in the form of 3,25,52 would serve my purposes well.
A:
11,28,17
